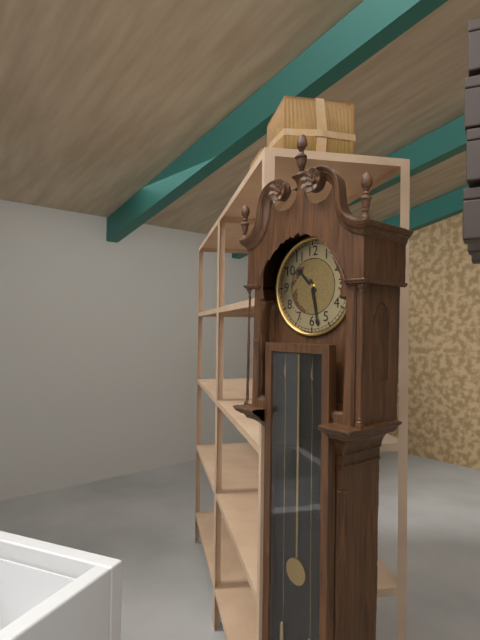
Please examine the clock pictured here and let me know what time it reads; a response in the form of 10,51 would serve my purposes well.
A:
10,28
